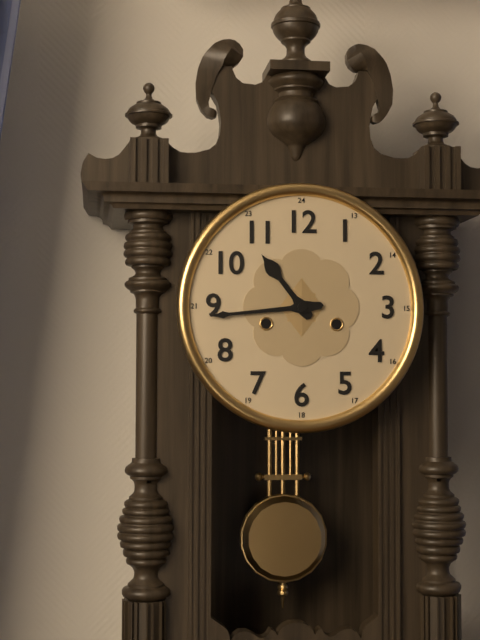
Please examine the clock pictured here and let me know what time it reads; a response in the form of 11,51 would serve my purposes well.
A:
10,44
